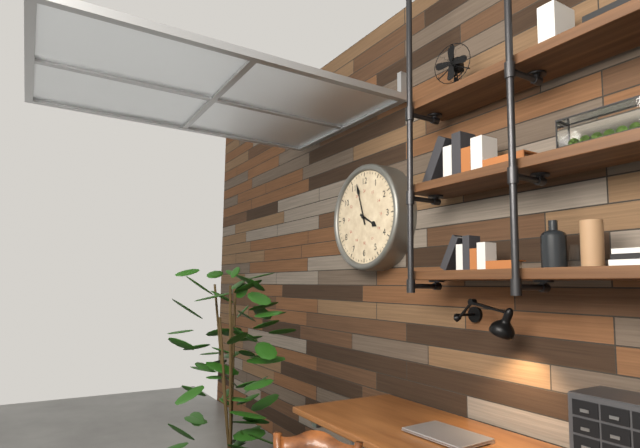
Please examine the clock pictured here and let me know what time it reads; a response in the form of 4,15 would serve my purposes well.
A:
3,57
